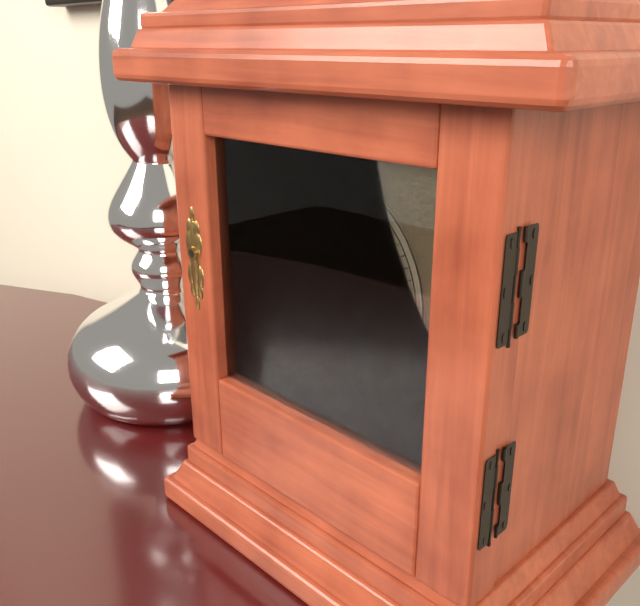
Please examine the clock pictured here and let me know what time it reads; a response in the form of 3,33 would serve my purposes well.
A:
7,11
